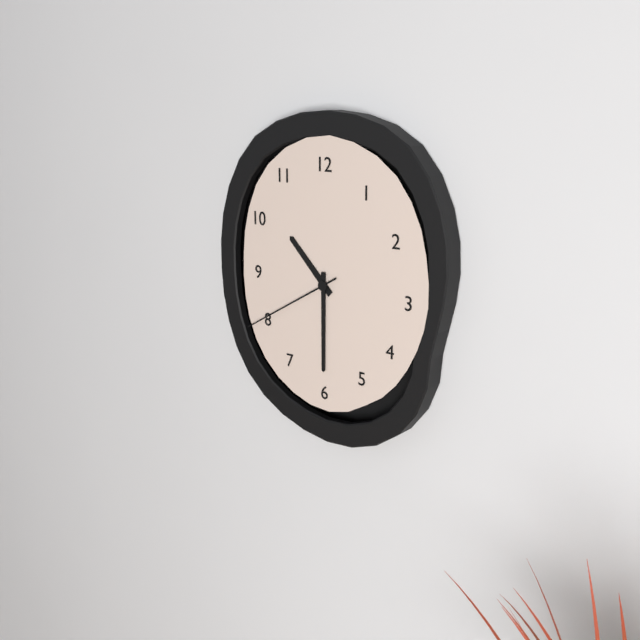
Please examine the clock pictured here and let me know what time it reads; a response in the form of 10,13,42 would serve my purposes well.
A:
10,30,40
